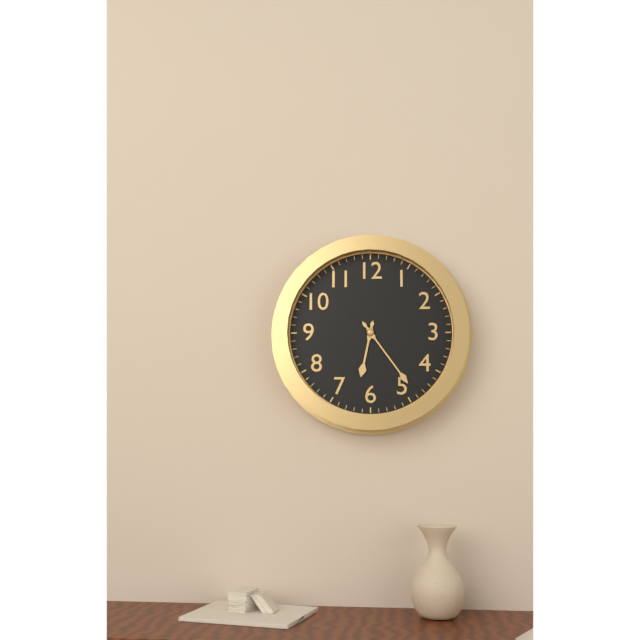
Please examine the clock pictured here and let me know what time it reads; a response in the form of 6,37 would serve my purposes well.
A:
6,24
